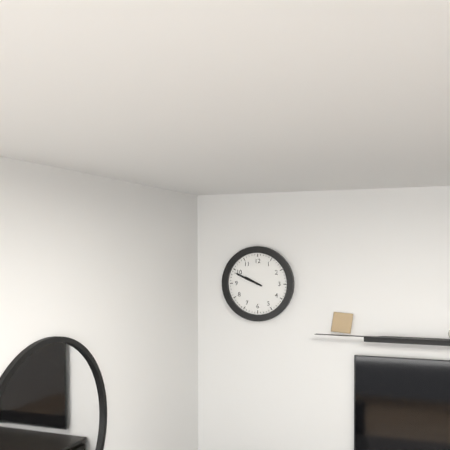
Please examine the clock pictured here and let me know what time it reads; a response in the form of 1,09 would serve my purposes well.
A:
9,49
